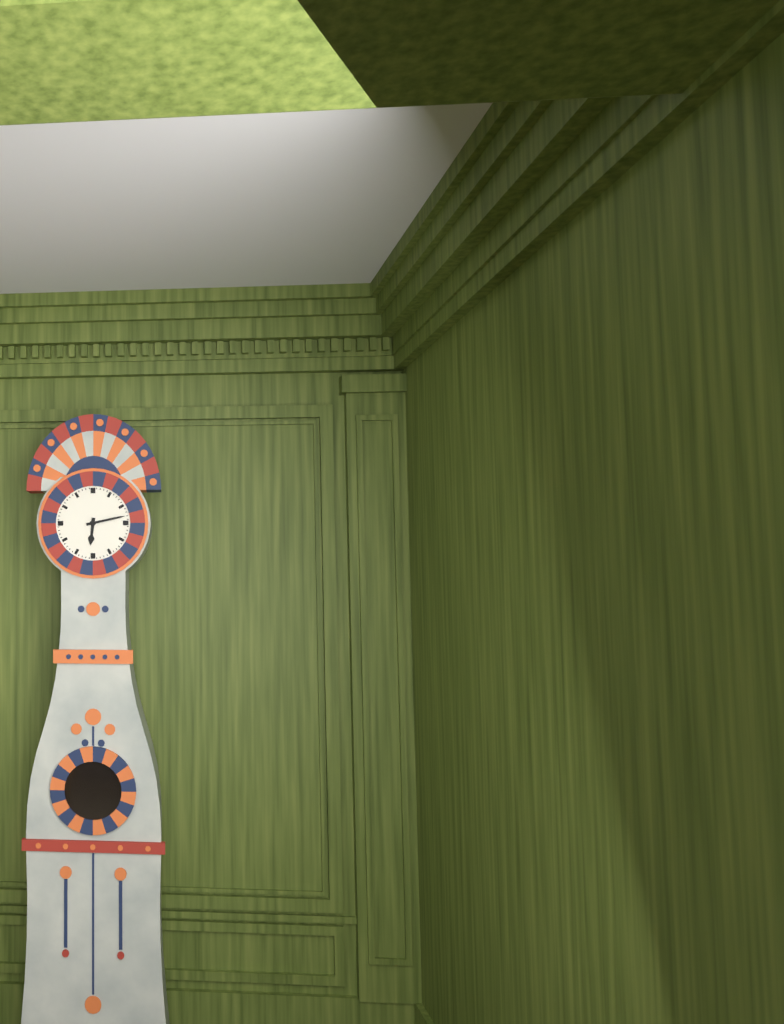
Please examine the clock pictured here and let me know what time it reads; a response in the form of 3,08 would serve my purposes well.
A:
6,13
